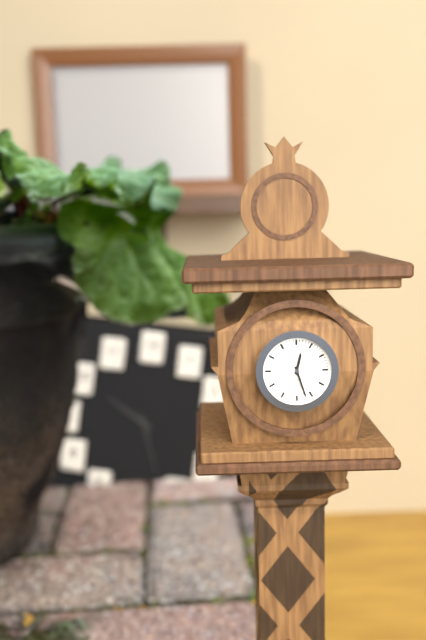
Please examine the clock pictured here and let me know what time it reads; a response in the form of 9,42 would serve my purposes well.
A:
12,27
